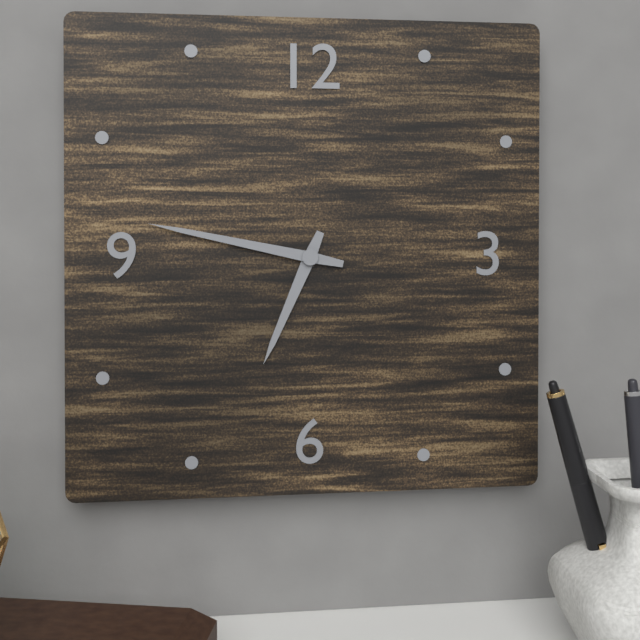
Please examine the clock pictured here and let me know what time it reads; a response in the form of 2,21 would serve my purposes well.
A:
6,47
